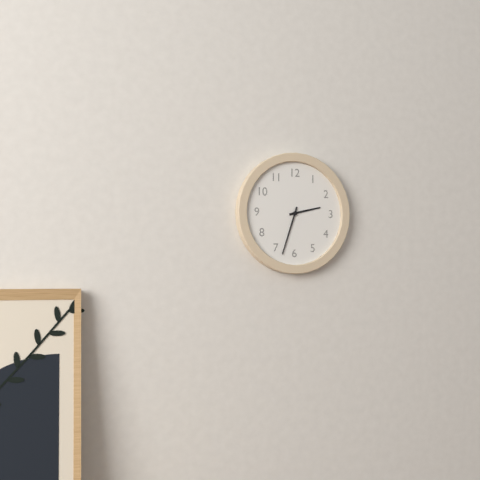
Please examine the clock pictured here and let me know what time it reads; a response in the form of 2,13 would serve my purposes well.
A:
2,33
